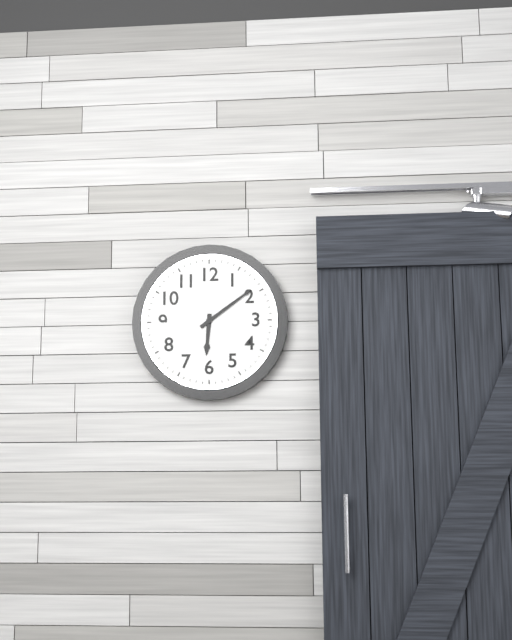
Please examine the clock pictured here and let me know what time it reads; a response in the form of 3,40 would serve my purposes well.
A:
6,09
